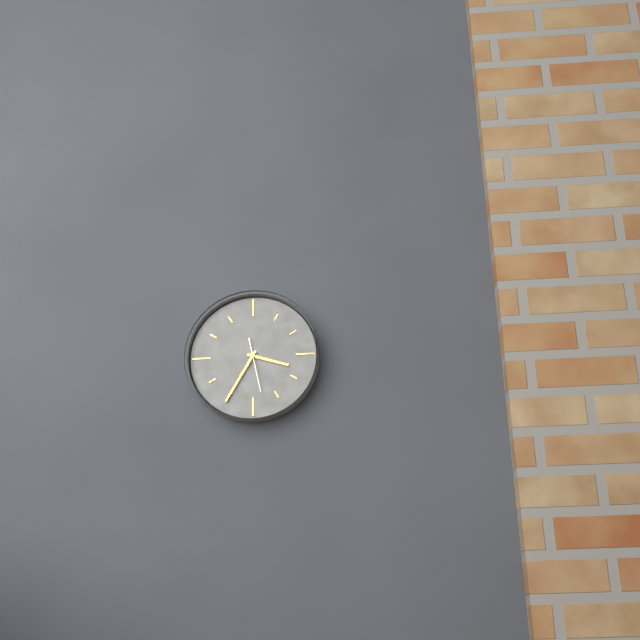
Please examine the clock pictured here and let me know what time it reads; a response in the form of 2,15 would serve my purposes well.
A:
3,35
